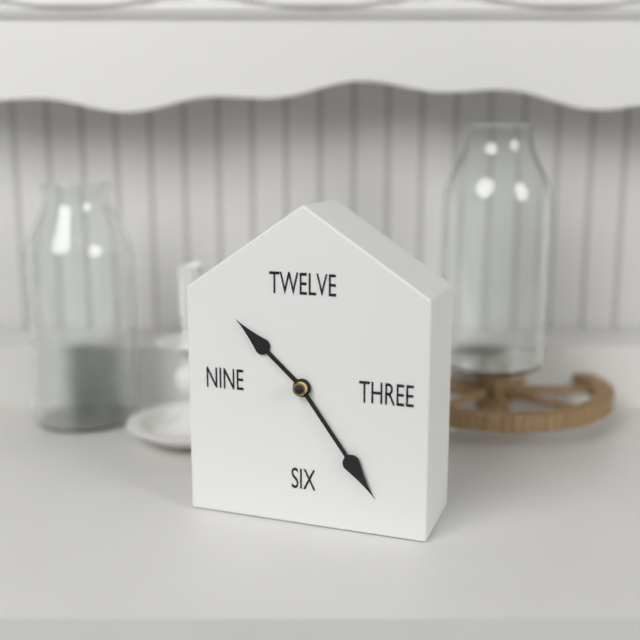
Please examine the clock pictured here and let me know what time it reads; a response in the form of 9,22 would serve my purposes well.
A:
10,24
